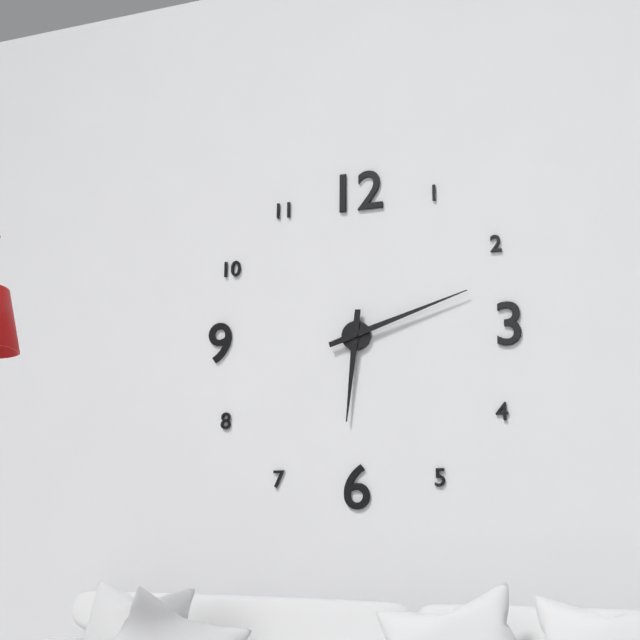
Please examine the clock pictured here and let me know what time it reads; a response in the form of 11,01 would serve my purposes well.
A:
6,12
